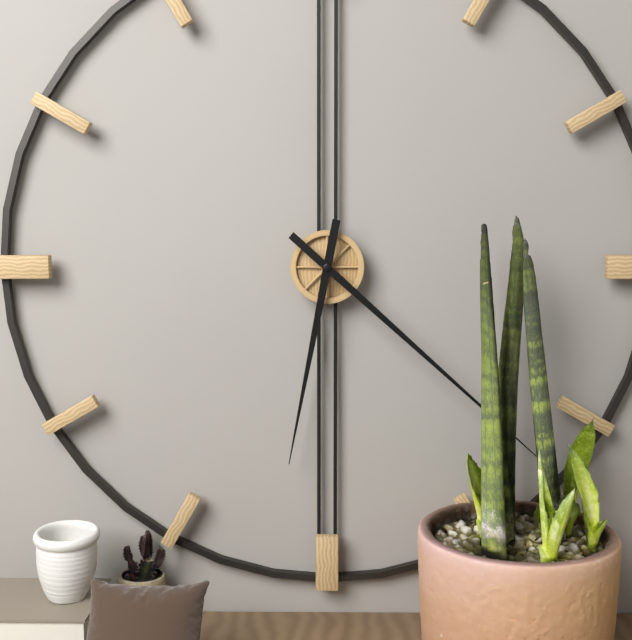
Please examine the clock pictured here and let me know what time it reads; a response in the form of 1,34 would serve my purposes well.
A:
6,22
